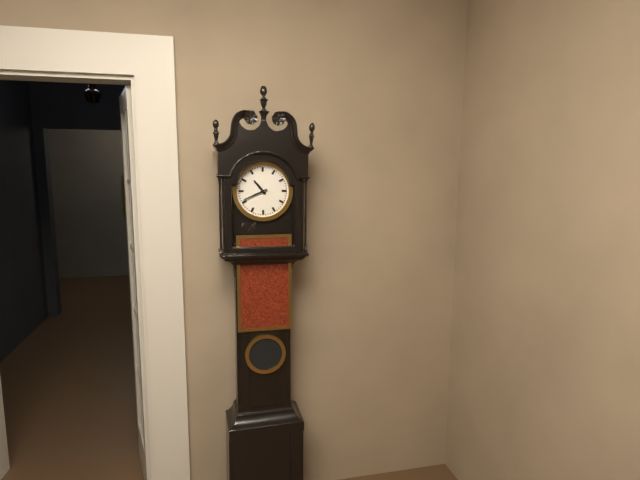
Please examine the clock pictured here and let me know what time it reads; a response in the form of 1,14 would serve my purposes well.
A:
10,41
